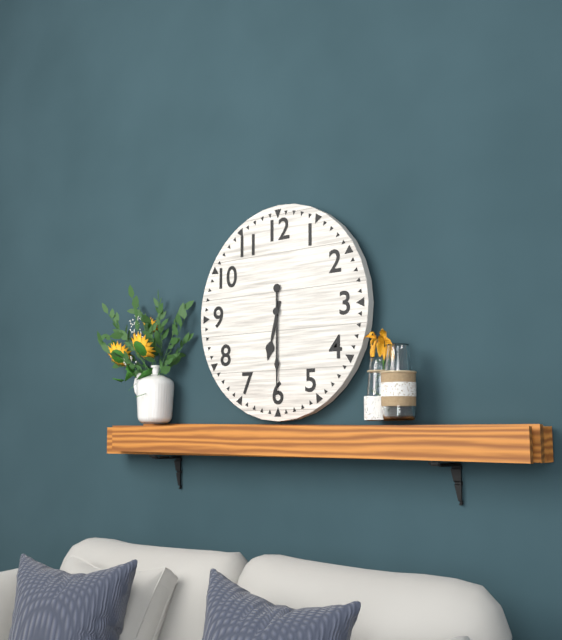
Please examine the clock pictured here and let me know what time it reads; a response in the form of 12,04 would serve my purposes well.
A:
6,30
